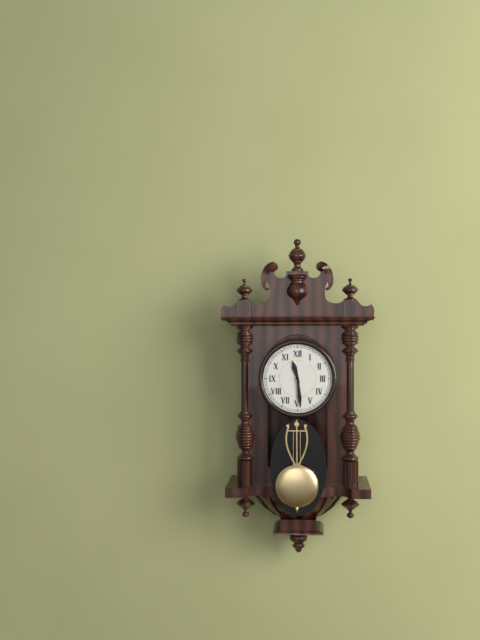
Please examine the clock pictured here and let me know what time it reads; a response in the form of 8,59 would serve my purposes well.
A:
11,29
